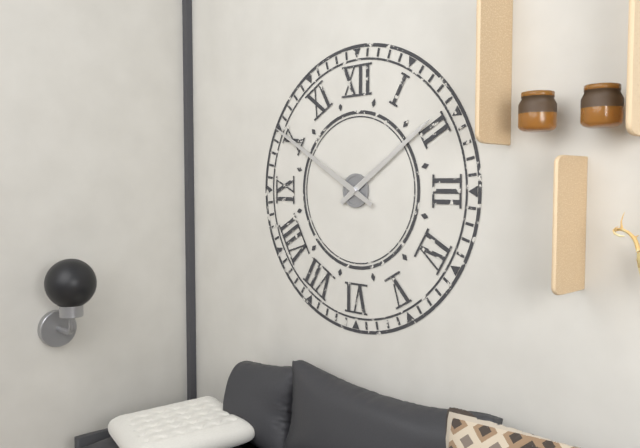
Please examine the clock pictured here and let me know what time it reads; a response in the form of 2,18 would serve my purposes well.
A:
1,50
